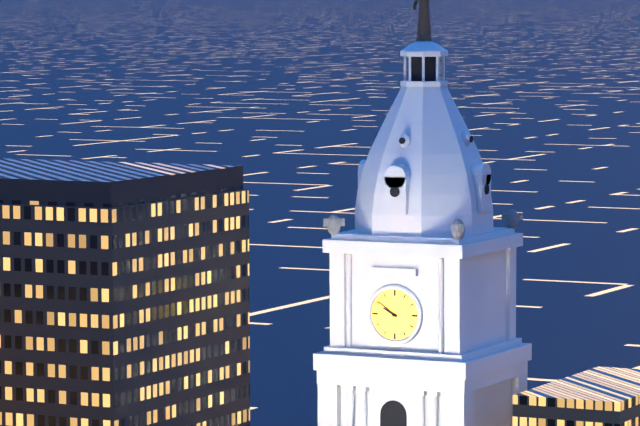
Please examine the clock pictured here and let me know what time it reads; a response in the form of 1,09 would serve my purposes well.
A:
9,51
